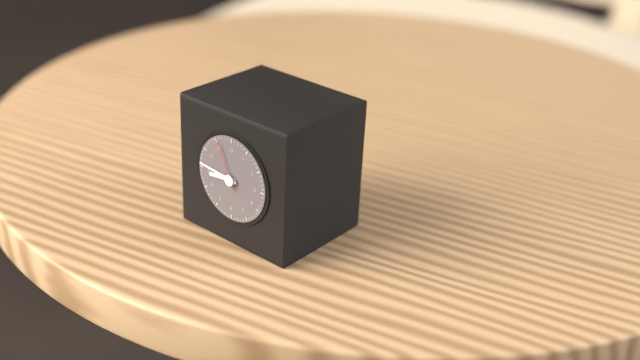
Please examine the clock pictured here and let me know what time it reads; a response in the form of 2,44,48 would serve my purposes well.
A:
8,46,56
